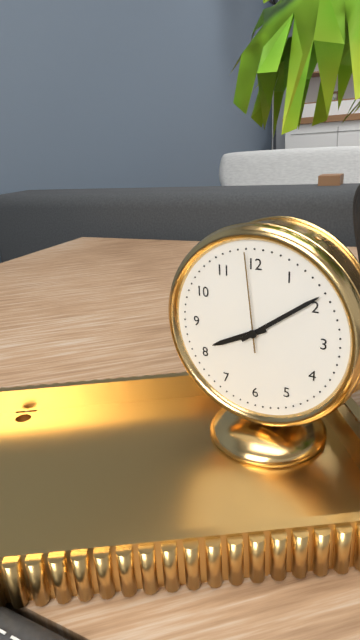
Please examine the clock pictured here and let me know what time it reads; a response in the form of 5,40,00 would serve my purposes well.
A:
8,09,59
